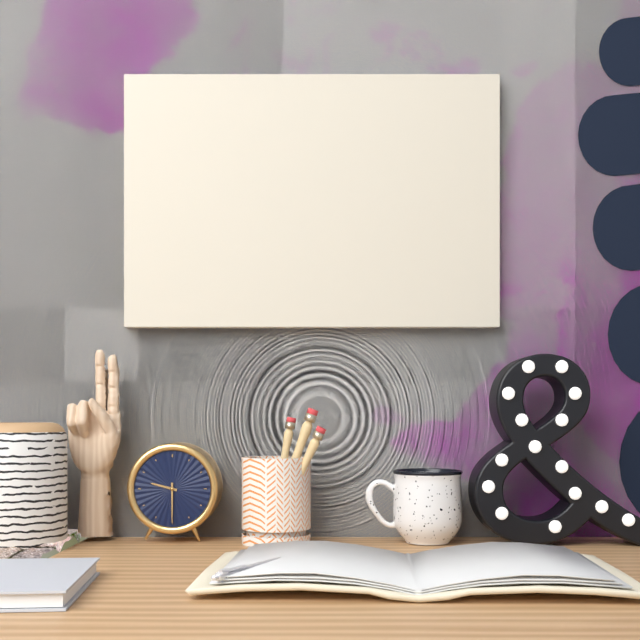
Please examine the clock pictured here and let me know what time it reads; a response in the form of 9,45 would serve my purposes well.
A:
9,30
